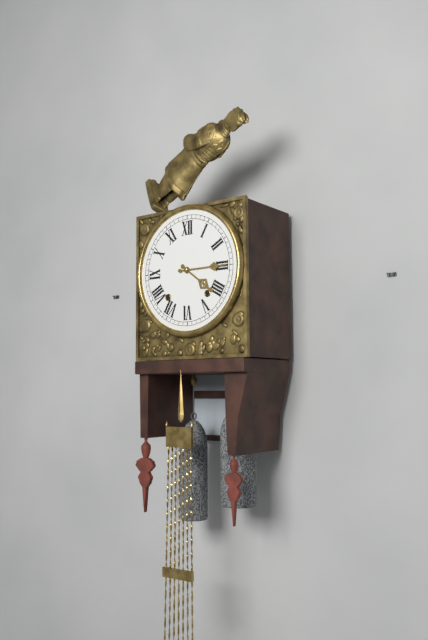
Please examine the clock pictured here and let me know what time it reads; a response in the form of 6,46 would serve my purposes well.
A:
4,15
